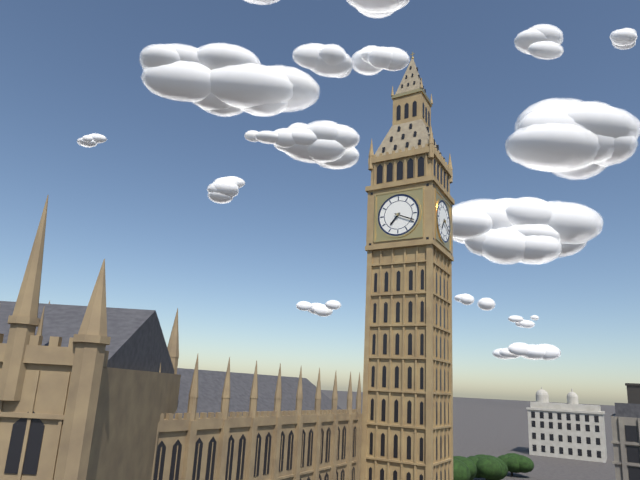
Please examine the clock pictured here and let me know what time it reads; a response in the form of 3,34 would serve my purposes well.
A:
7,19
